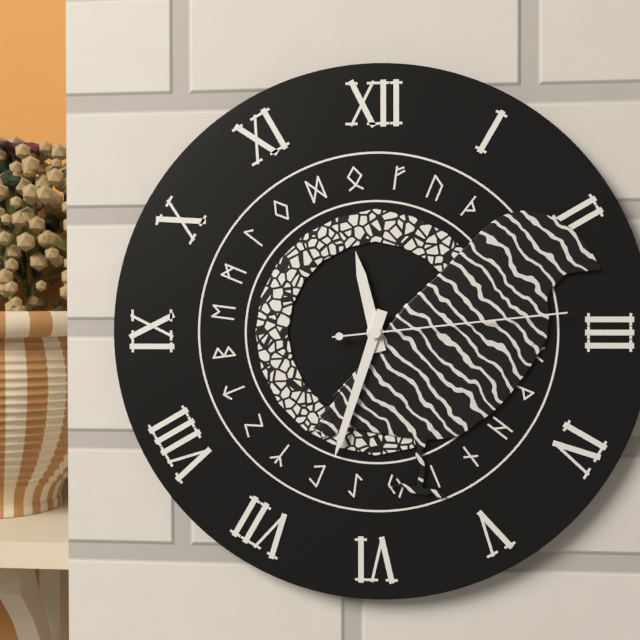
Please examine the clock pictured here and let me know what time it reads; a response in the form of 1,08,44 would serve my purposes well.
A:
11,33,14
